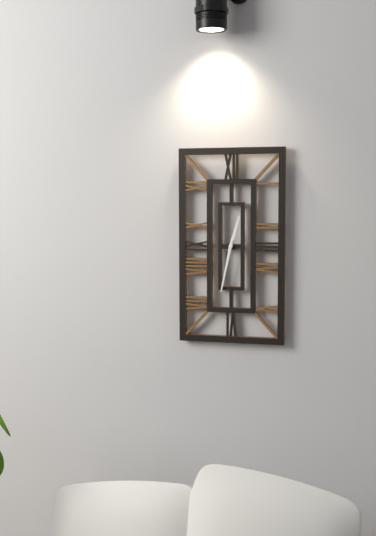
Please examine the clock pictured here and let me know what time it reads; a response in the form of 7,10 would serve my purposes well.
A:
12,32
